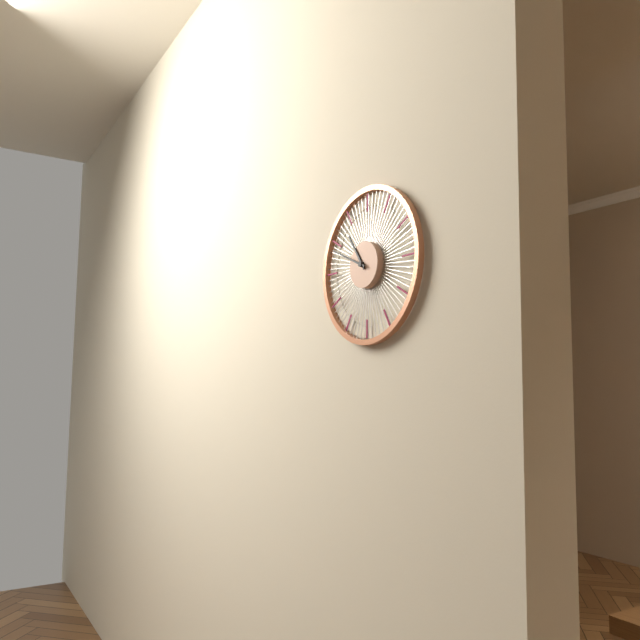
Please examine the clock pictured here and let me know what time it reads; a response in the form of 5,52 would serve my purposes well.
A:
10,49
